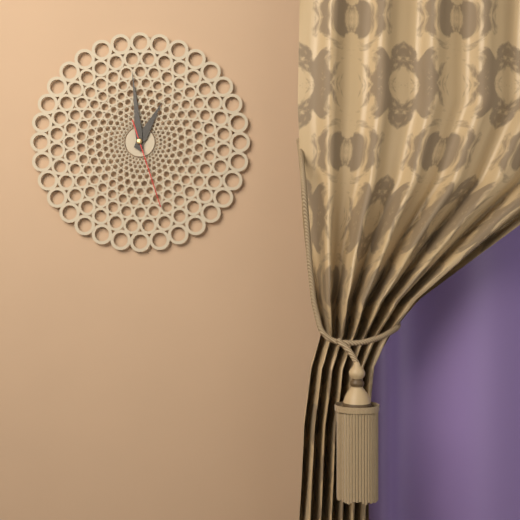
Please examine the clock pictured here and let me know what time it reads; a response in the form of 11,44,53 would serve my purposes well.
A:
12,59,27
